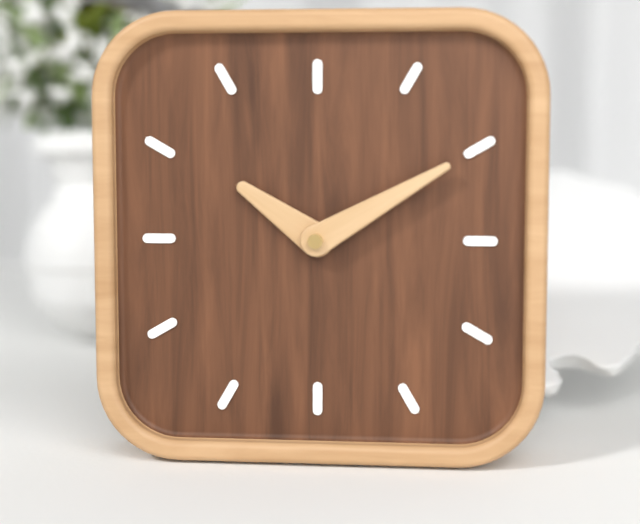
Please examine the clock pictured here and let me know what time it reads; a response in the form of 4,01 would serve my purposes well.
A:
10,10
